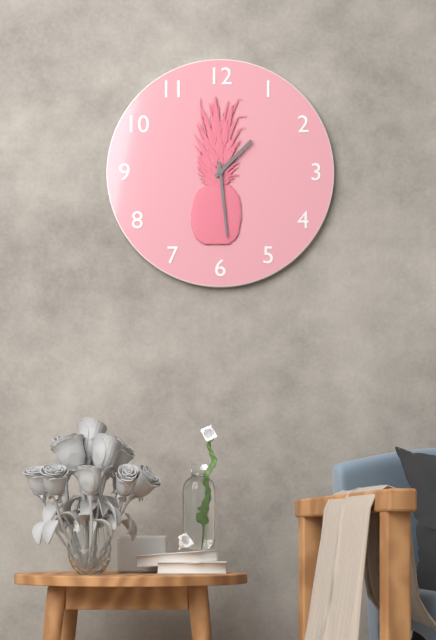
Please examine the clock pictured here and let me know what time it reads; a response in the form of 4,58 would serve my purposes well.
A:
1,29
